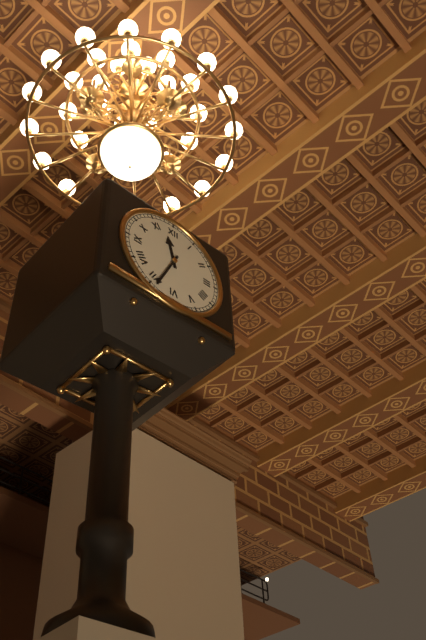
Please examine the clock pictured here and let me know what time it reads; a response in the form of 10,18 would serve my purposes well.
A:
11,34
